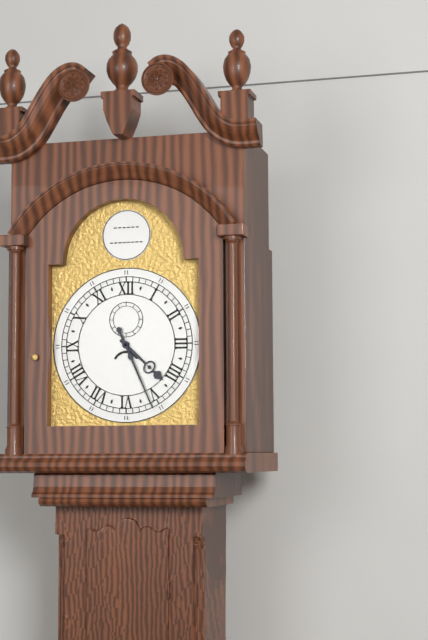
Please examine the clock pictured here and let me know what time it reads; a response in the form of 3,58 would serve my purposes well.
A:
4,26
